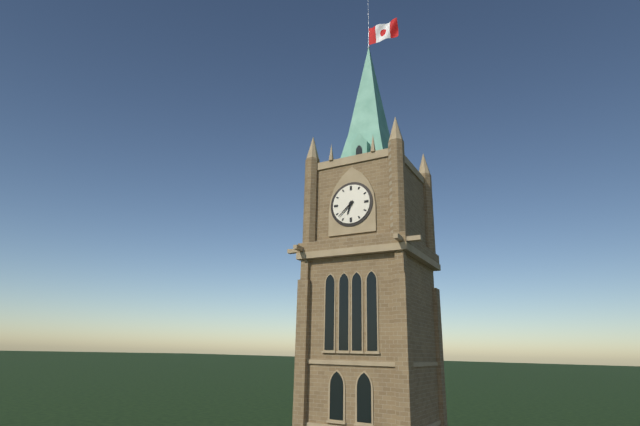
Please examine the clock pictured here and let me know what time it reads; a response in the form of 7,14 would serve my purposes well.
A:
6,38
